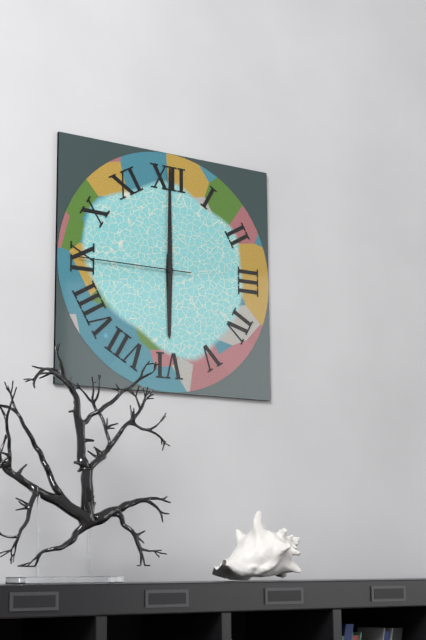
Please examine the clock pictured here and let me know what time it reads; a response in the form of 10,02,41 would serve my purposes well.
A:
6,00,45
